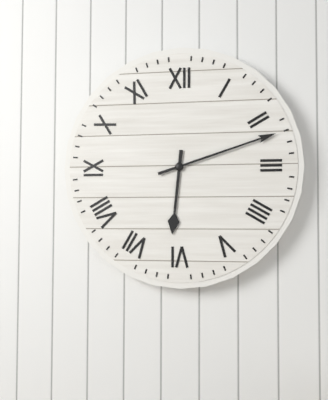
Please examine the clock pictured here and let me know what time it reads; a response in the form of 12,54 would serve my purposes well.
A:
6,12
